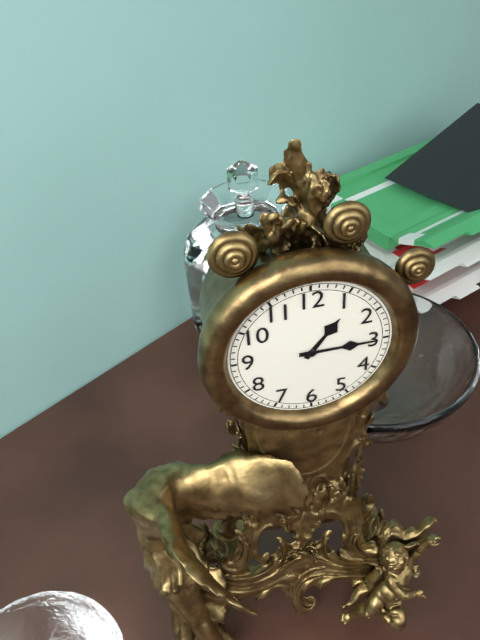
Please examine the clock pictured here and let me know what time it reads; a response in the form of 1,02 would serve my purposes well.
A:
1,15
